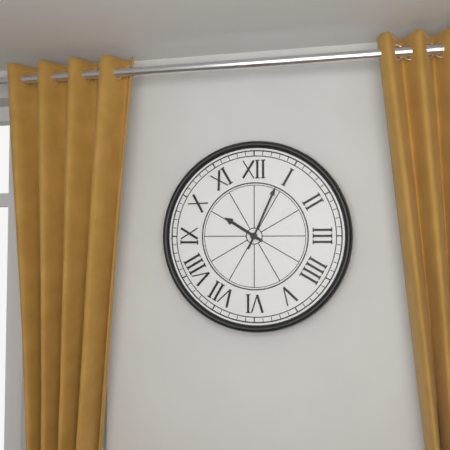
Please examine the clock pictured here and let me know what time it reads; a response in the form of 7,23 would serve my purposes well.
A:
10,04
